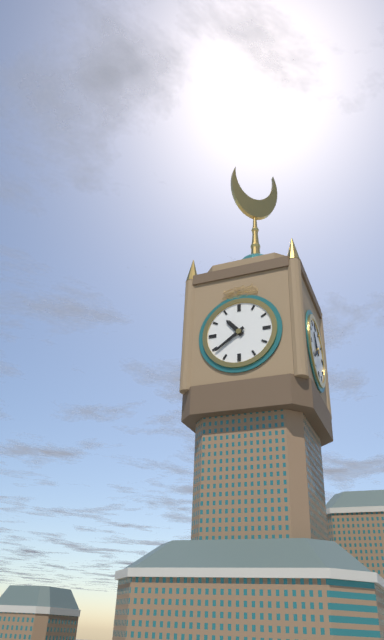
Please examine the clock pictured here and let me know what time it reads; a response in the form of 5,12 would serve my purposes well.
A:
10,39
